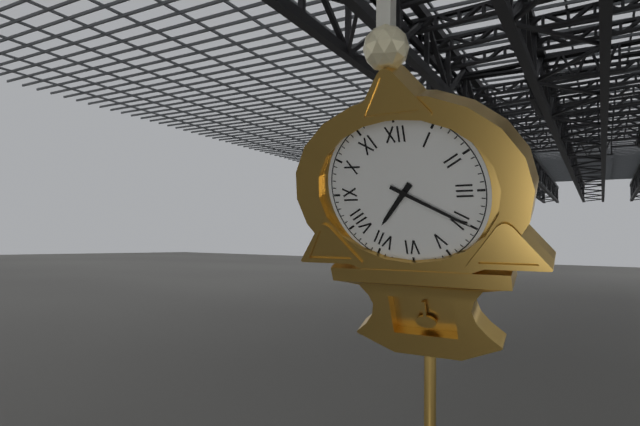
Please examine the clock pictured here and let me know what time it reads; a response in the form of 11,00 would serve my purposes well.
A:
7,20
